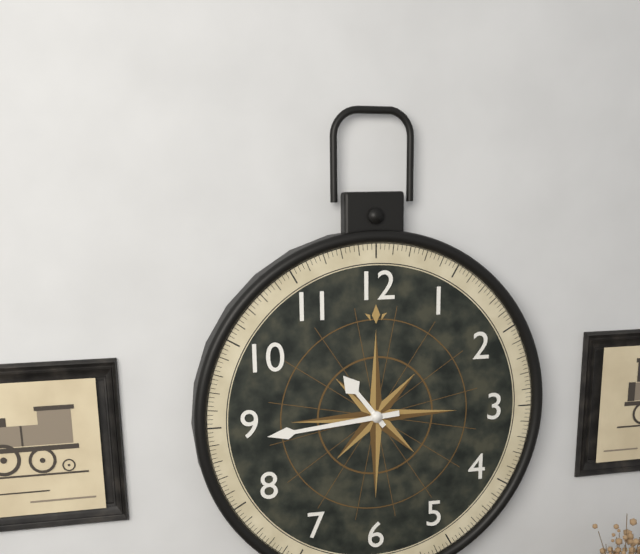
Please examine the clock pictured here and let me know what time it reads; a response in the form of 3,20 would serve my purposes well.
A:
10,44
